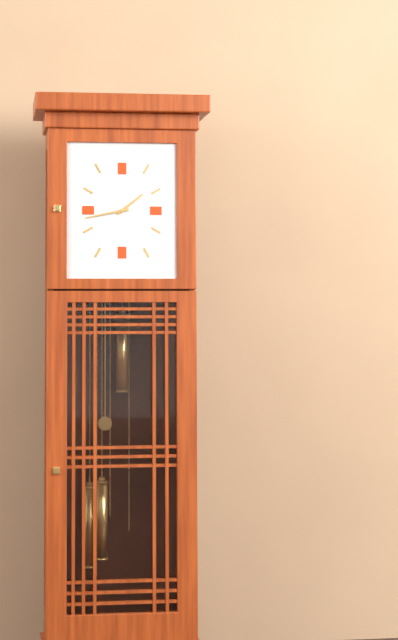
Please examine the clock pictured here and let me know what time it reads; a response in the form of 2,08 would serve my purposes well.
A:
1,43
